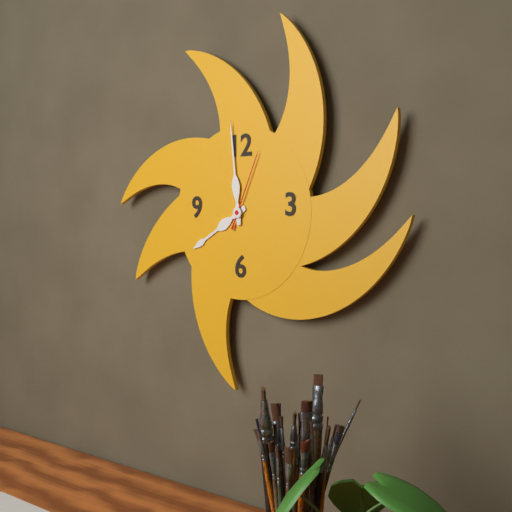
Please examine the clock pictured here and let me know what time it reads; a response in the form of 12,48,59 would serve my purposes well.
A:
7,59,04
